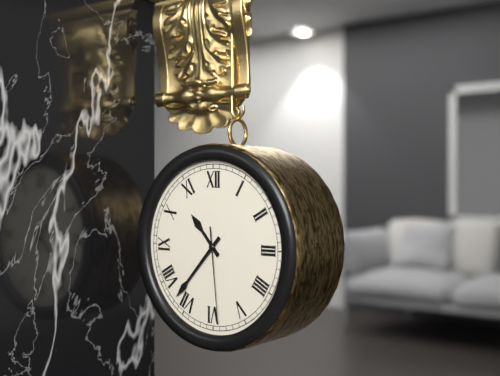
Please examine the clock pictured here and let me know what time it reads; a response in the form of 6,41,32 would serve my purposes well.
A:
10,37,29
